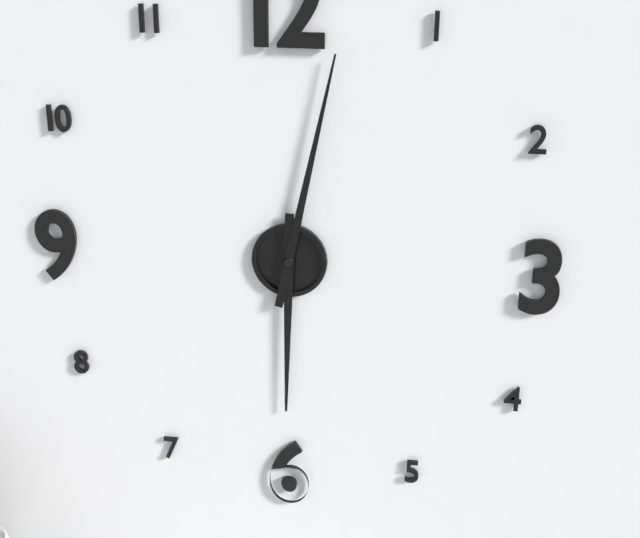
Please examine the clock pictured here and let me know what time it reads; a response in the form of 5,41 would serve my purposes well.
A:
6,02
